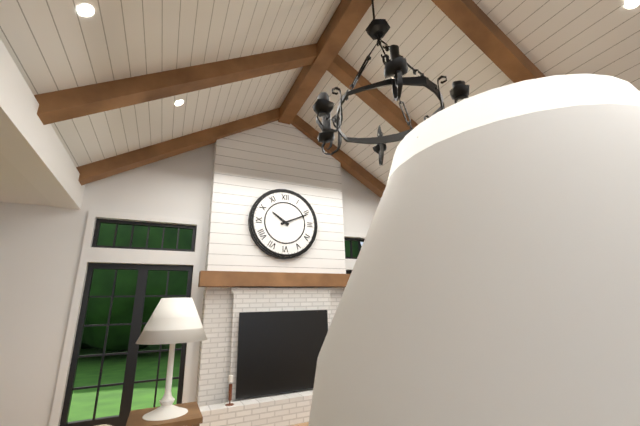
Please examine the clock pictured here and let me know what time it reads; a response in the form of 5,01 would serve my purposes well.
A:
10,11
